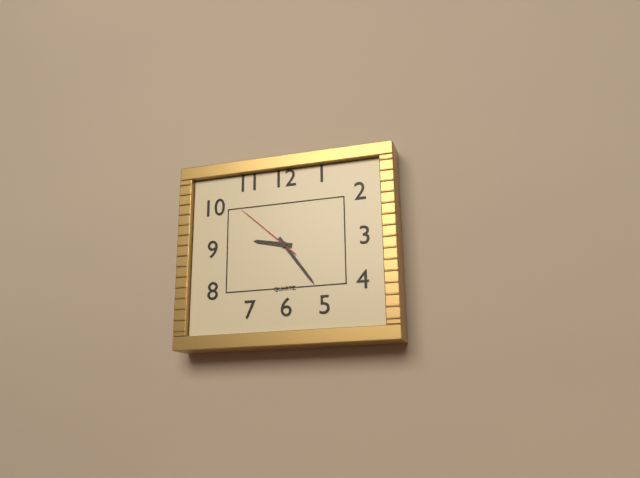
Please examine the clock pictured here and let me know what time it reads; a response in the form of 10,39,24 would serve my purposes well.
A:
9,24,52
